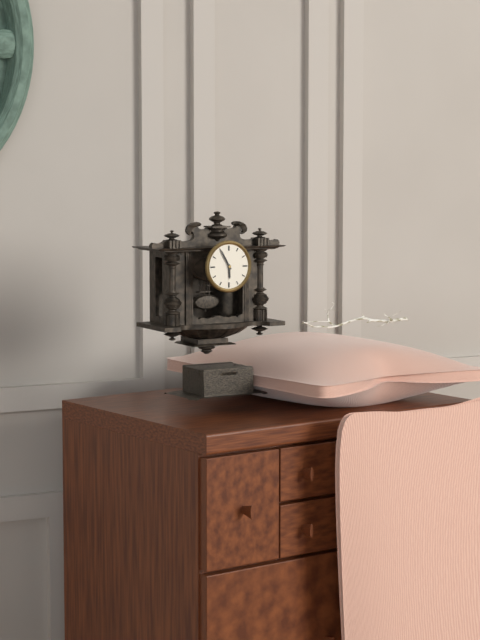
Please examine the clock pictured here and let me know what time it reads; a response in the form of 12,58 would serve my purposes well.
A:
5,55
